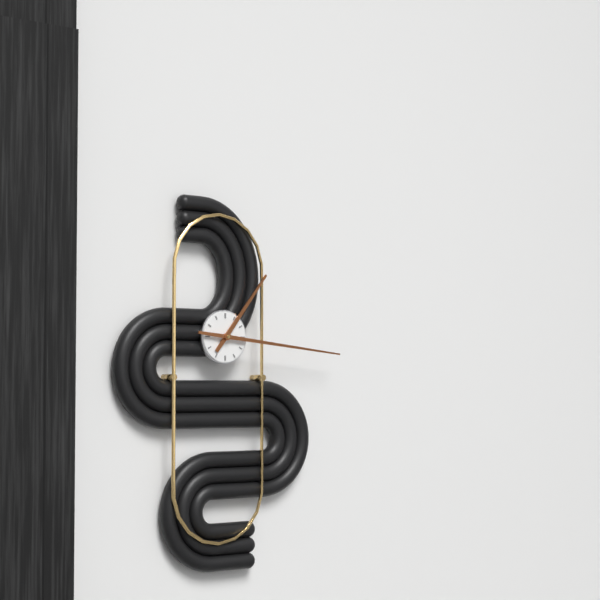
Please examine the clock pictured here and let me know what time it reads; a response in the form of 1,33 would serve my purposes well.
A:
1,16
